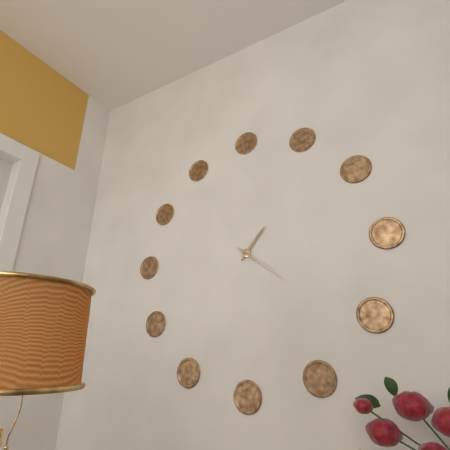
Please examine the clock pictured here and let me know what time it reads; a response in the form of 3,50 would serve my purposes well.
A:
1,21
